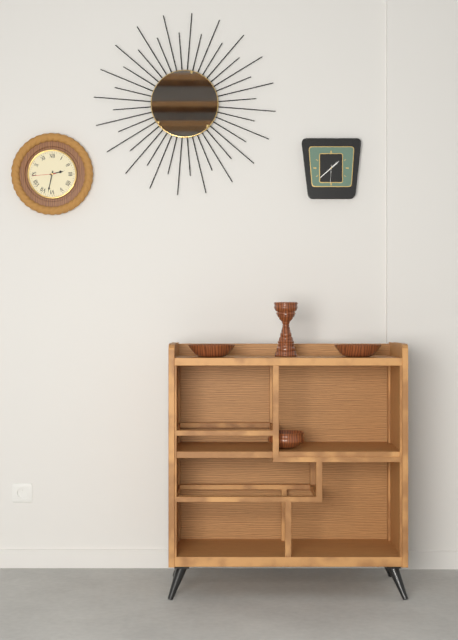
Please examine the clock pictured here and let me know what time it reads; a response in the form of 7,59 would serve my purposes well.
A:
2,32
